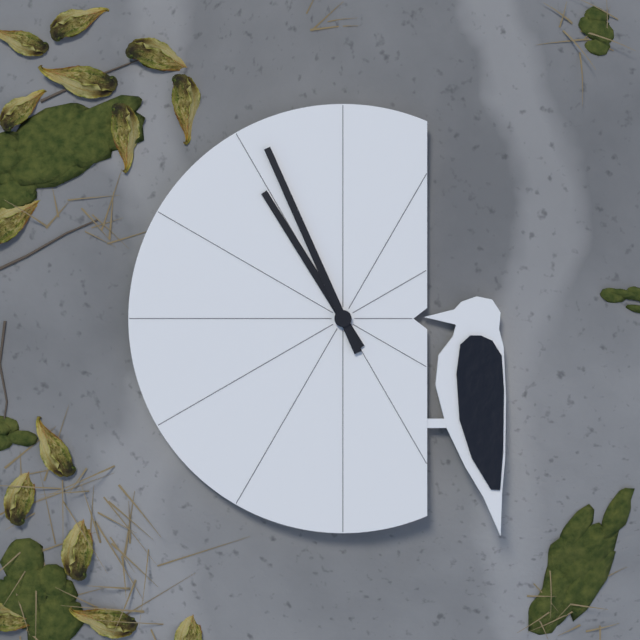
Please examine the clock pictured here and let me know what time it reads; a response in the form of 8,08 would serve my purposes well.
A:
10,56
